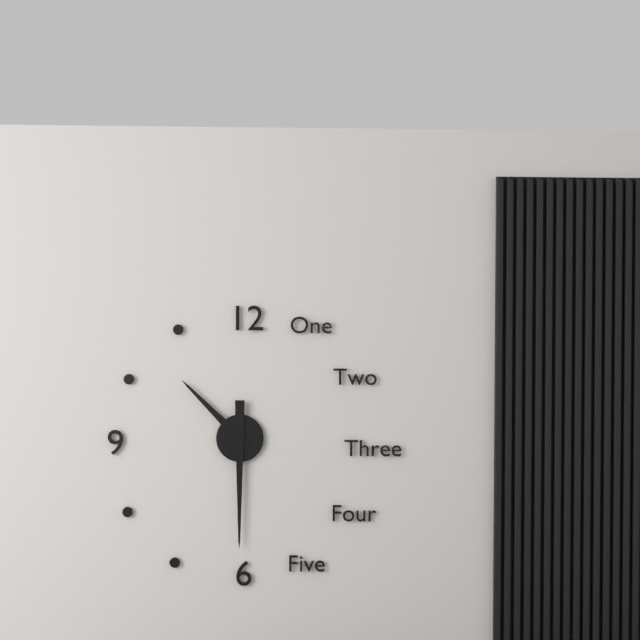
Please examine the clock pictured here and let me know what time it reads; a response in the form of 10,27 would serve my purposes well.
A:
10,30
